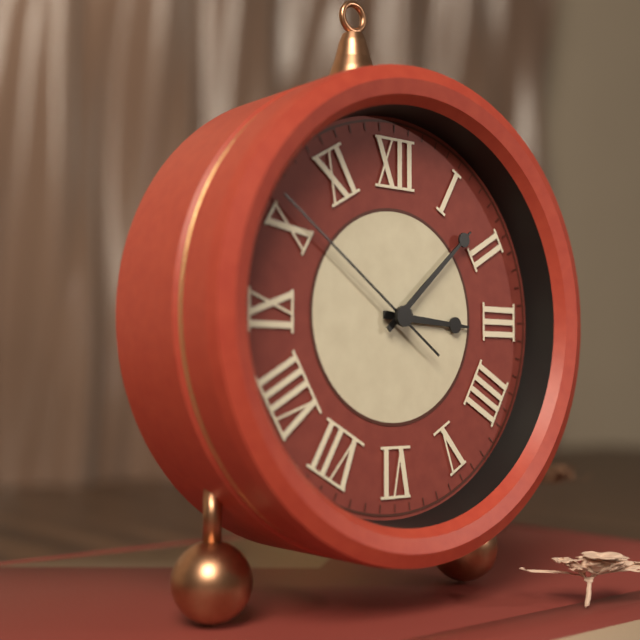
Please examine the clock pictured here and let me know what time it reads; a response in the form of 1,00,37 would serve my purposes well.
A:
3,08,51
